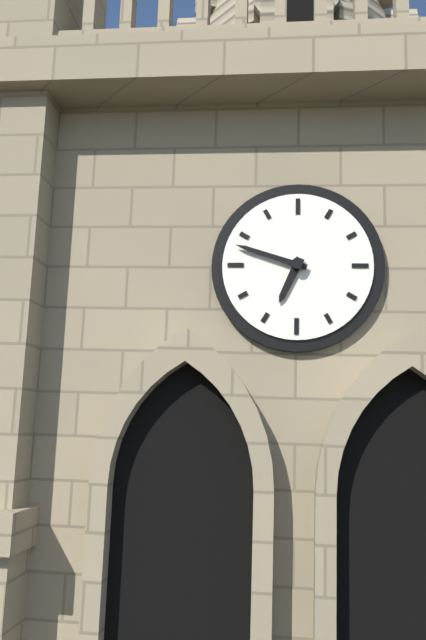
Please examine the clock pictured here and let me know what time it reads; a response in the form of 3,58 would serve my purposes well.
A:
6,48
